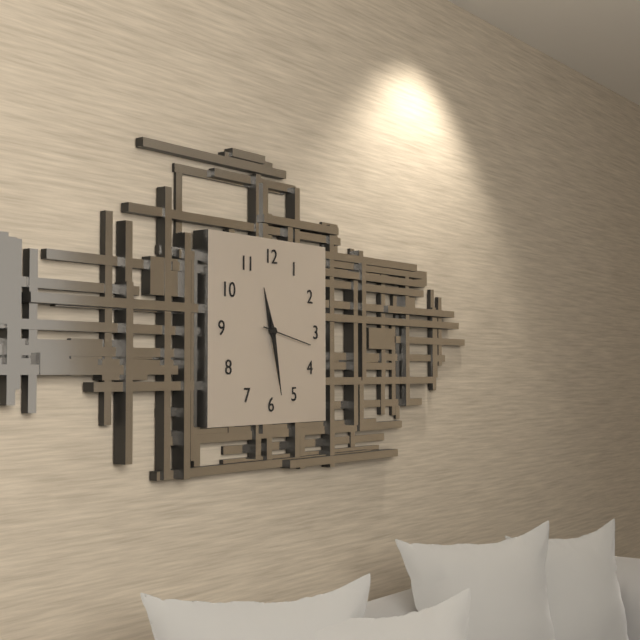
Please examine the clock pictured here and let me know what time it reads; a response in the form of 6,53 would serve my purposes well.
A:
11,28
